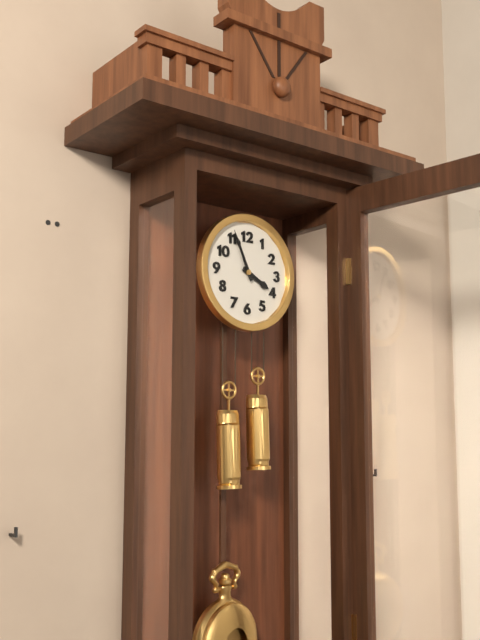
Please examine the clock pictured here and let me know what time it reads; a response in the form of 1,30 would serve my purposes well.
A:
3,56
